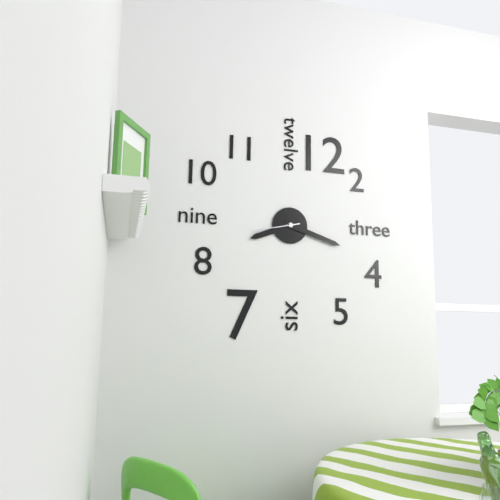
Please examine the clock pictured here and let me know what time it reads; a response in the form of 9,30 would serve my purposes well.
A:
8,18
